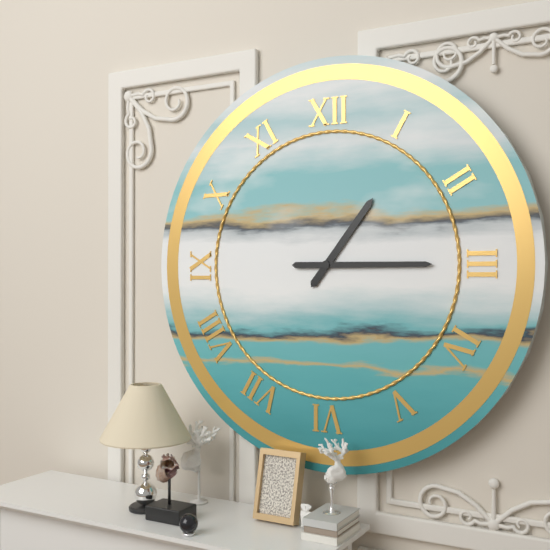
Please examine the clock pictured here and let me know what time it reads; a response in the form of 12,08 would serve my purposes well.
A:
1,15
